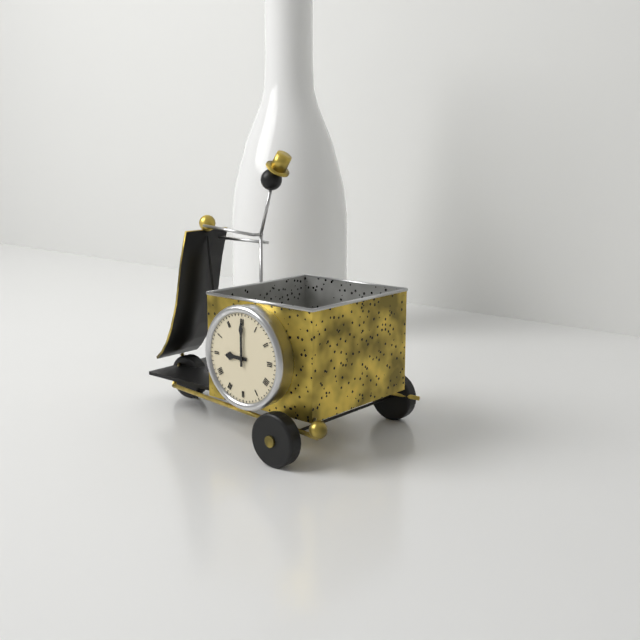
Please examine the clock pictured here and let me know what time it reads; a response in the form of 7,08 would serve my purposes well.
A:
9,00
